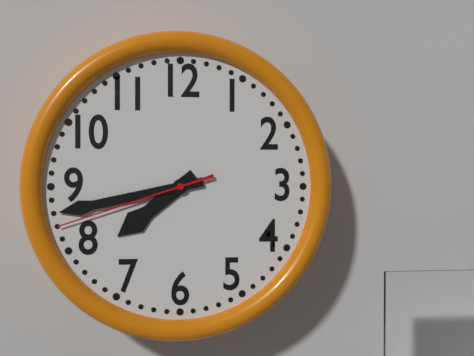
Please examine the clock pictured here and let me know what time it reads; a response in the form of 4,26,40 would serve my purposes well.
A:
7,43,42
